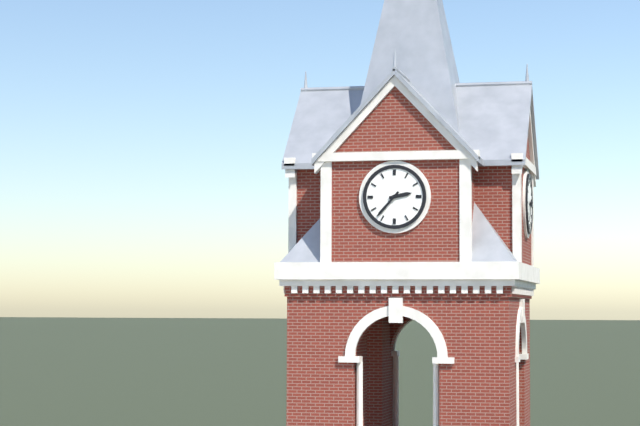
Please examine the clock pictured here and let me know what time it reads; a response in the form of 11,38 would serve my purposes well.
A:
2,37
